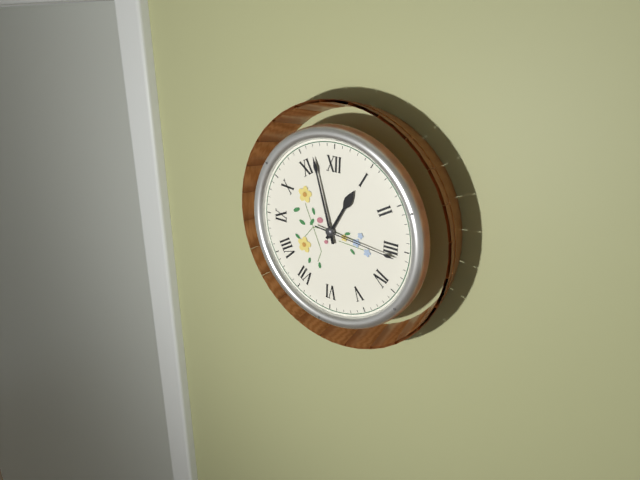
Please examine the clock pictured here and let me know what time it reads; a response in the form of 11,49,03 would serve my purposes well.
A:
12,57,16
